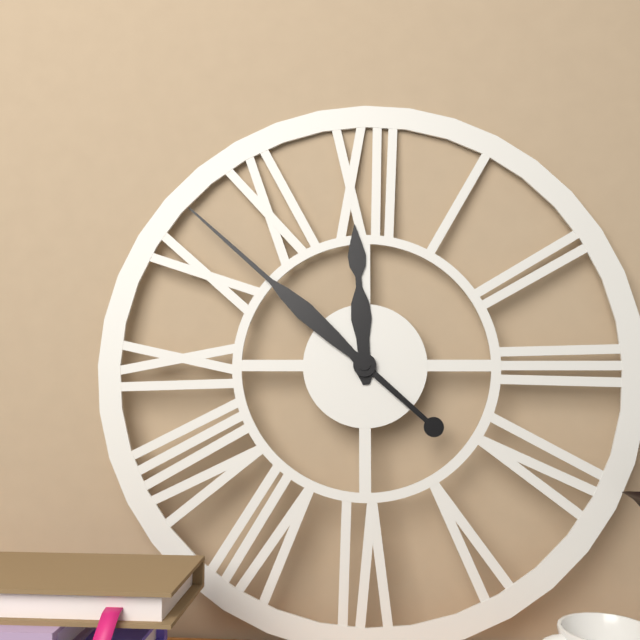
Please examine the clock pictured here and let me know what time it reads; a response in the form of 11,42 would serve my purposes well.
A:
11,52
